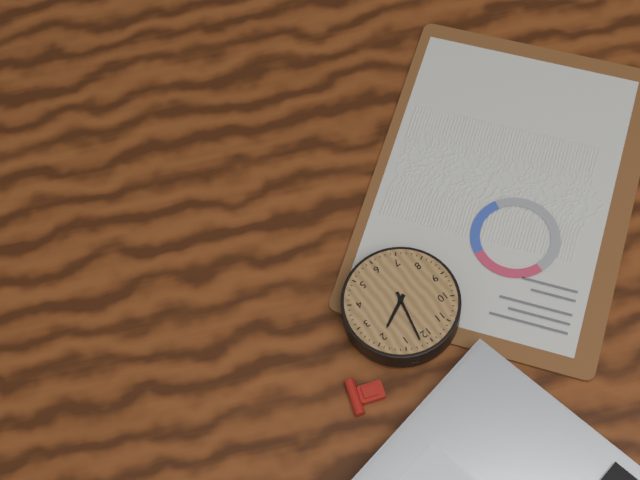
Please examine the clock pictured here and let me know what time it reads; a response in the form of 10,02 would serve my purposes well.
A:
2,02
